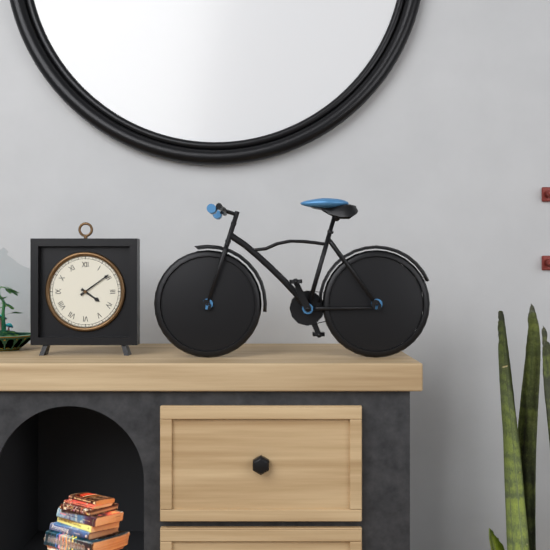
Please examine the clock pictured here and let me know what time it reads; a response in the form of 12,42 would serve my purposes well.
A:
4,09
